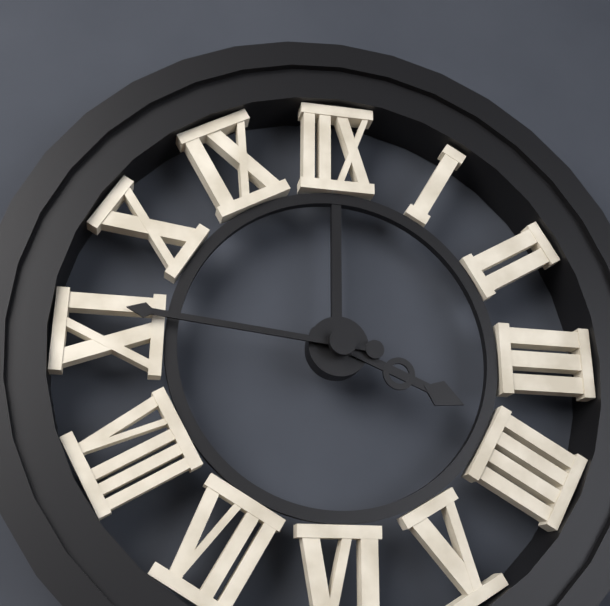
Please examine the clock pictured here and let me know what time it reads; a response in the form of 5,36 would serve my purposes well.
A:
3,46
